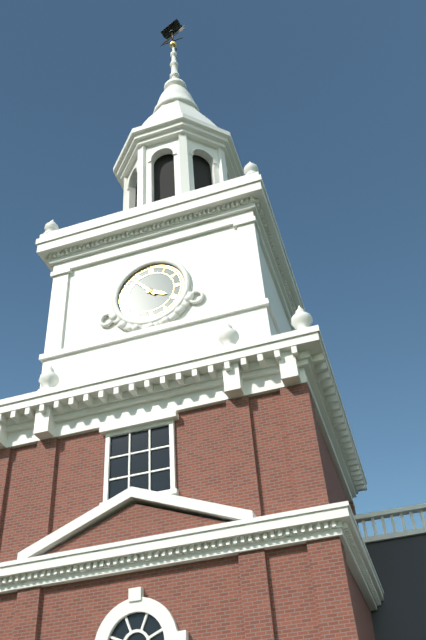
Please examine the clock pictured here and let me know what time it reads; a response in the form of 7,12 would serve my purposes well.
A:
3,53
